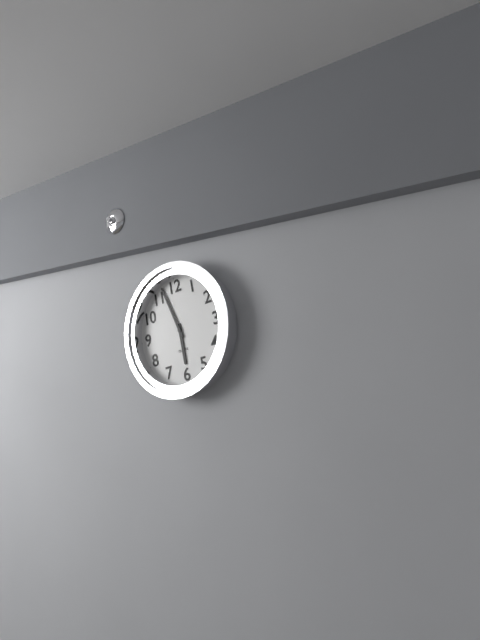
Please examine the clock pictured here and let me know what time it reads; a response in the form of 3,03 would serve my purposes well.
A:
5,57
